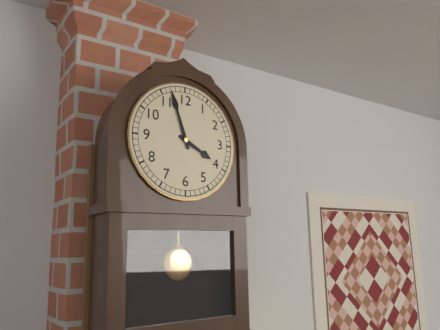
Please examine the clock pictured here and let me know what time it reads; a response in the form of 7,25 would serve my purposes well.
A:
3,57
